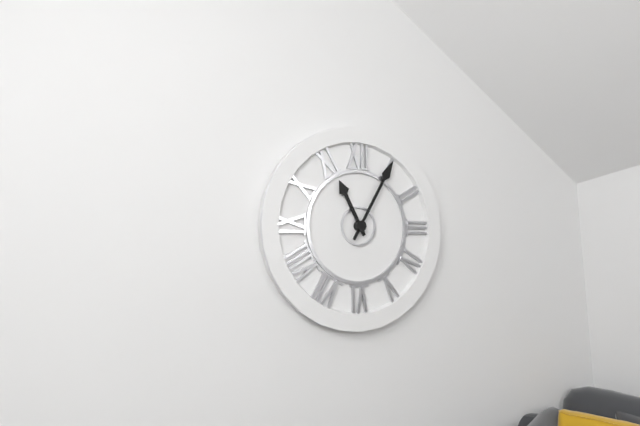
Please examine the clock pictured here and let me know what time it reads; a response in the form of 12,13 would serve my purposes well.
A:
11,05
